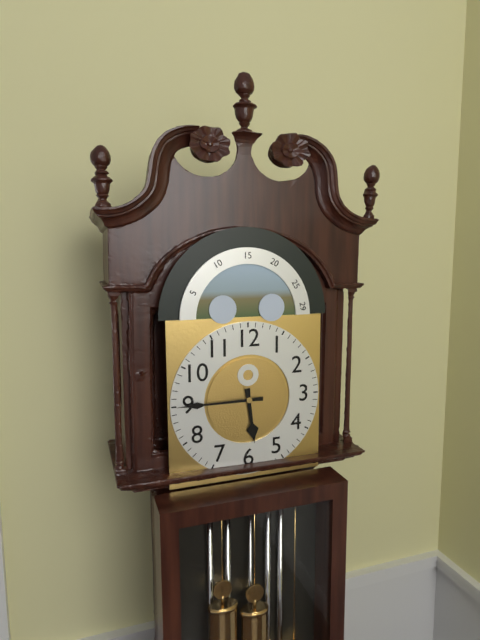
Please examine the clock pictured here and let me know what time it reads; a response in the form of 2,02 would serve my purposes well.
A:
5,45
